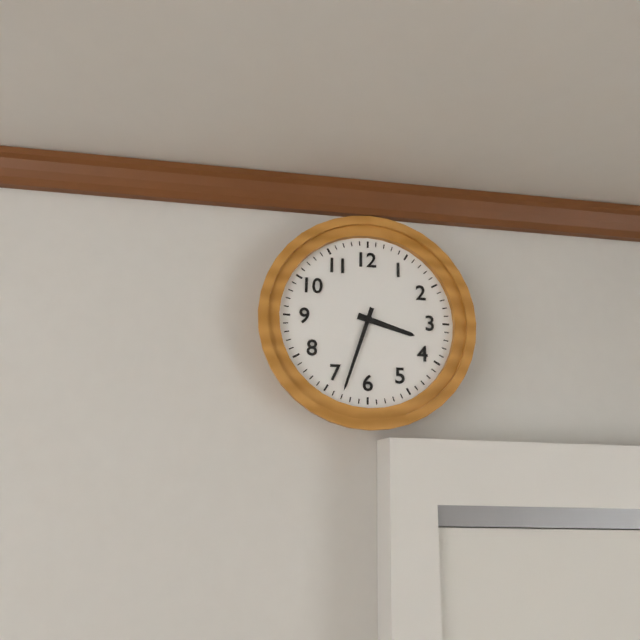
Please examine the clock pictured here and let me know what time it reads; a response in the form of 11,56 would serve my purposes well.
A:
3,33
